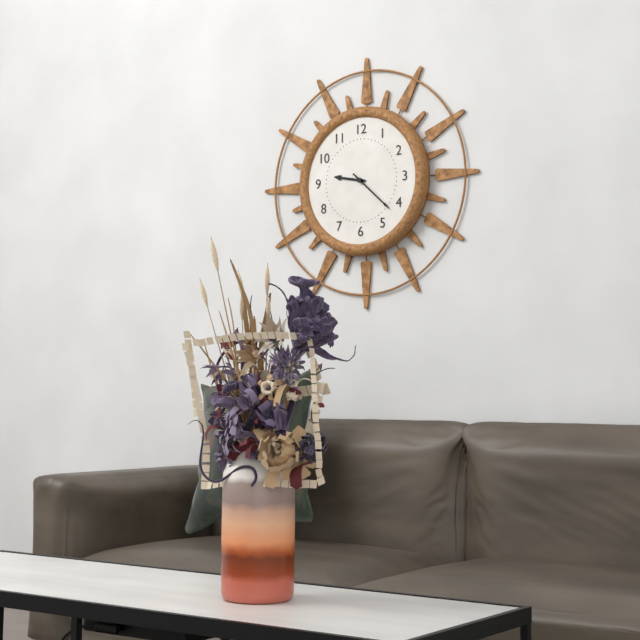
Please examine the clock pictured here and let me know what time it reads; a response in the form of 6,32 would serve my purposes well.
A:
9,22
